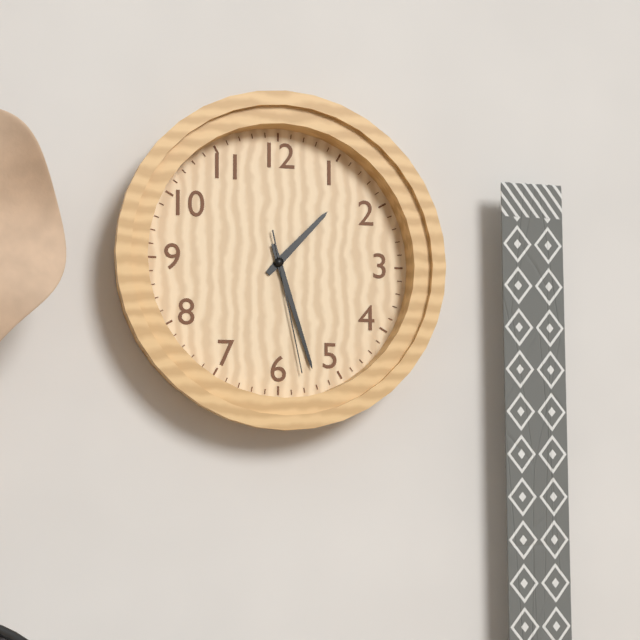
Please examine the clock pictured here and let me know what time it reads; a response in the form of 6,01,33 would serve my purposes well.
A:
1,27,28
